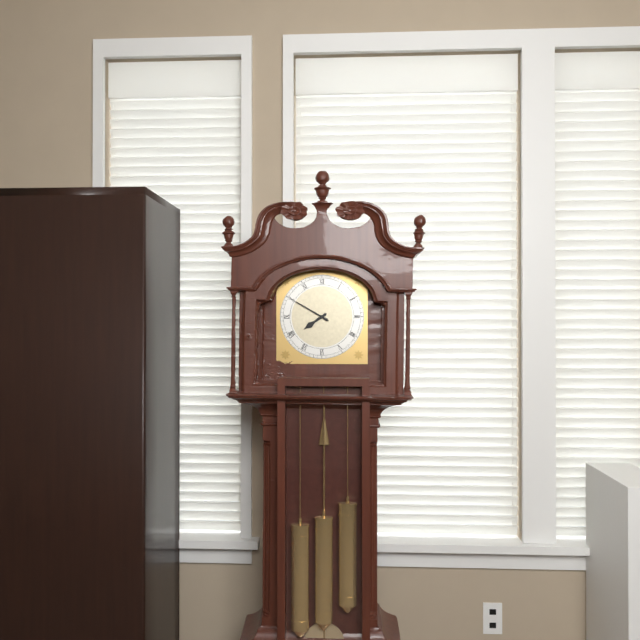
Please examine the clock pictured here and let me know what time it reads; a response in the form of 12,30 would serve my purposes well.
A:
7,50
